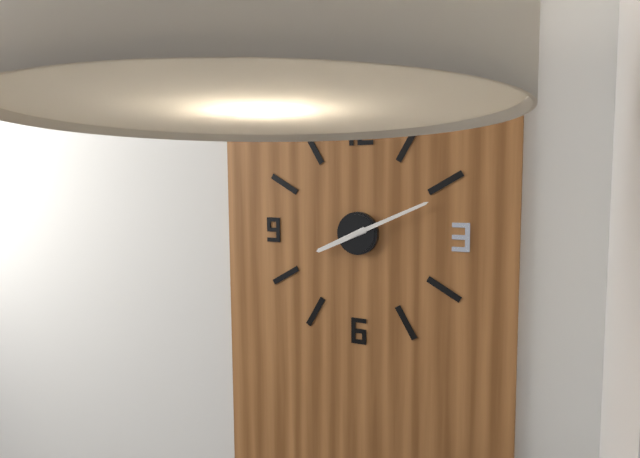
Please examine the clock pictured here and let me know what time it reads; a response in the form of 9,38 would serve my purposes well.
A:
8,11
